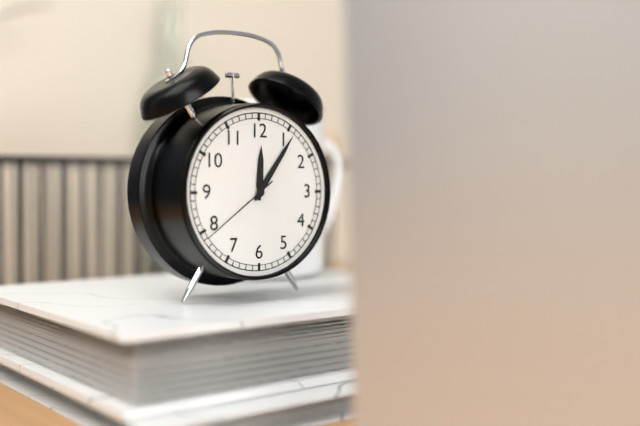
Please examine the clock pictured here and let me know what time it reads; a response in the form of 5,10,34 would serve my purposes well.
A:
12,06,39
